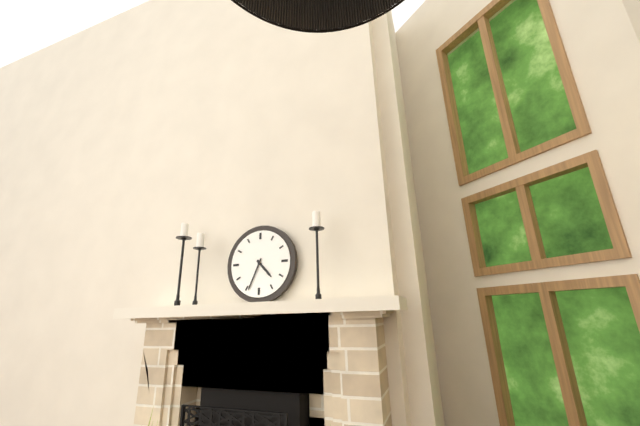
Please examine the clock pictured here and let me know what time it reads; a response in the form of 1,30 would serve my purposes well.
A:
4,34
